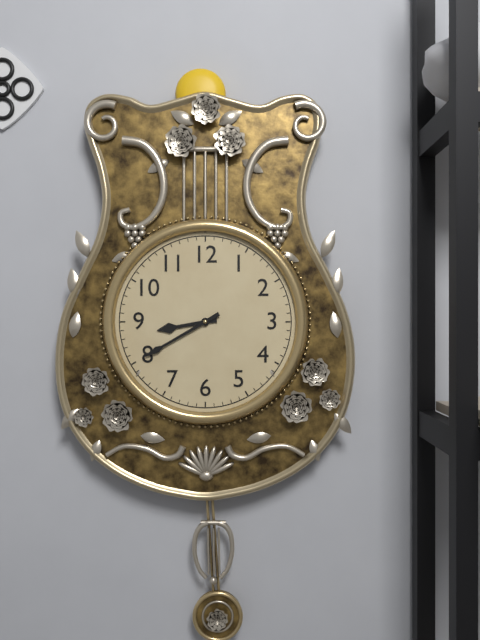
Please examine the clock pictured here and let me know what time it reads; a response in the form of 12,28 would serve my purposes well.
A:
8,40
